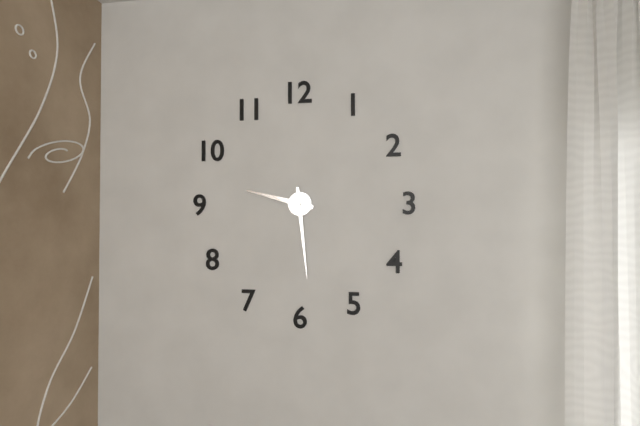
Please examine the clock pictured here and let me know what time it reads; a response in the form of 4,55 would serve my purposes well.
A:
9,29
